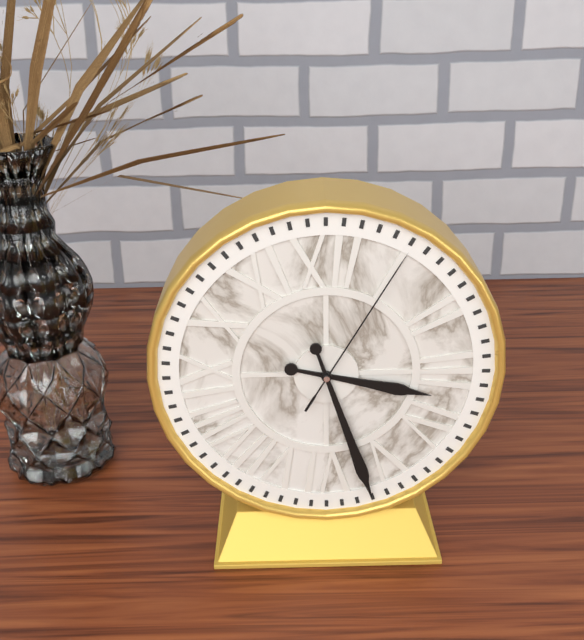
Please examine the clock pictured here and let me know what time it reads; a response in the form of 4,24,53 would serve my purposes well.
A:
3,27,05
